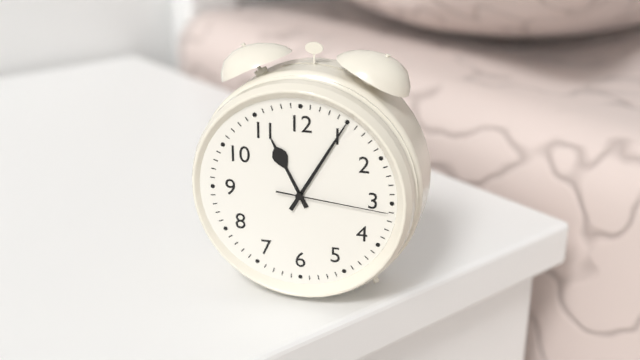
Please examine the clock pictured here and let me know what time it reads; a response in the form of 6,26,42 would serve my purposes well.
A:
11,05,16
